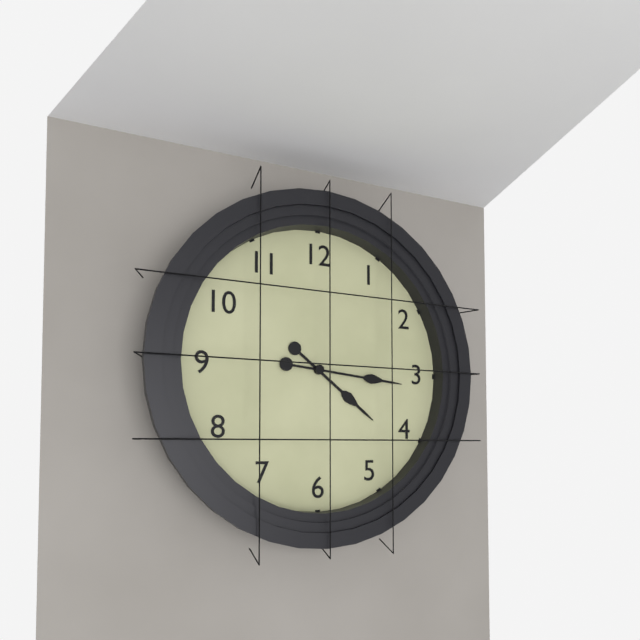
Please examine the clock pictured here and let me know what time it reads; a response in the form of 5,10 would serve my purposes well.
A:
4,16
